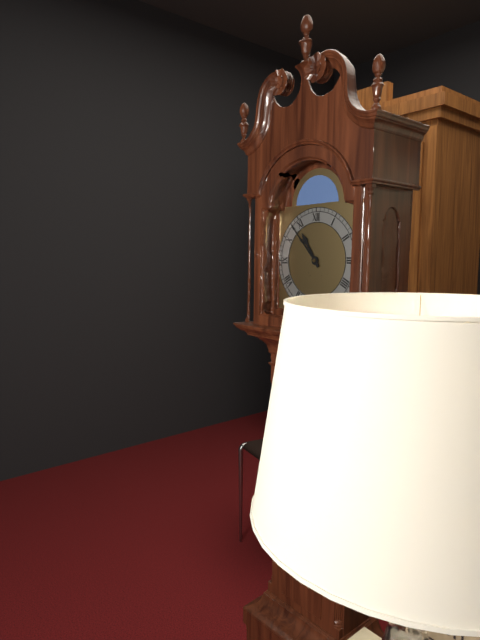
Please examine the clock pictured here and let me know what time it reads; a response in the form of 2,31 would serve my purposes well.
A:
10,53
